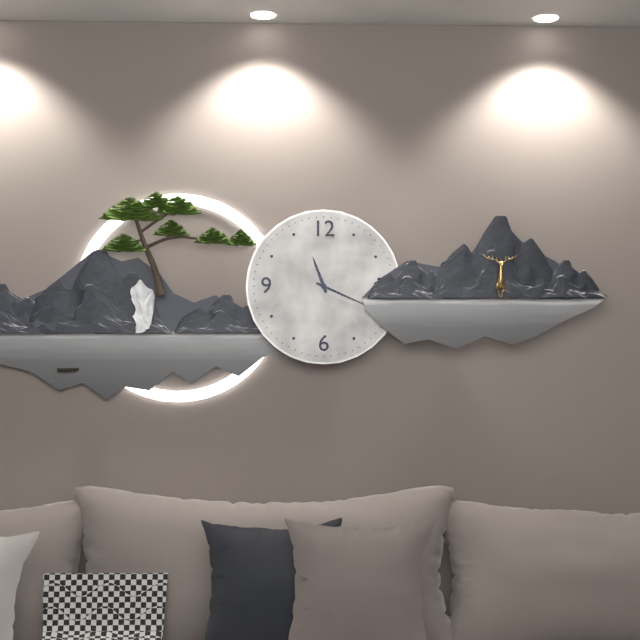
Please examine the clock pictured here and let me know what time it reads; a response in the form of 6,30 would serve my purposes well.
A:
11,19
